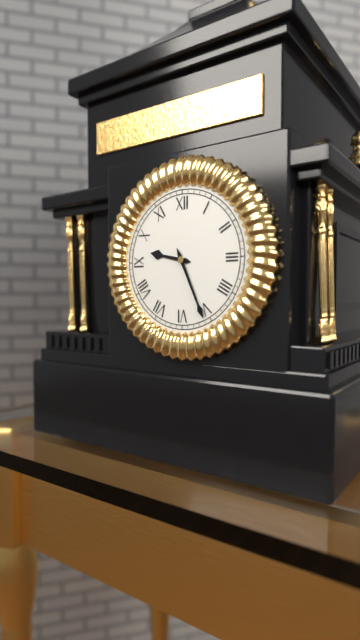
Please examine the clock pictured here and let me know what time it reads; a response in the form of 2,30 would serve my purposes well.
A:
9,26
